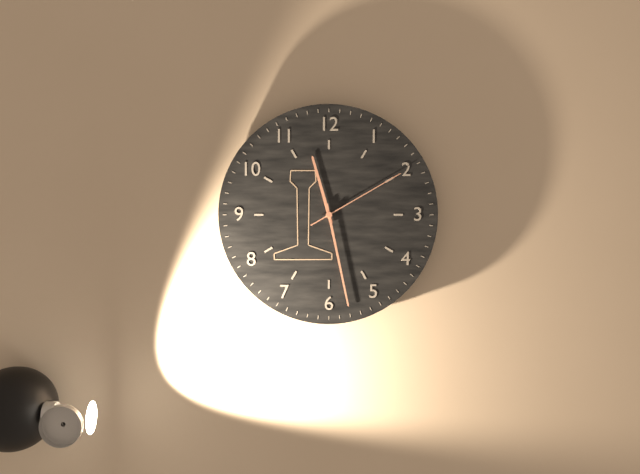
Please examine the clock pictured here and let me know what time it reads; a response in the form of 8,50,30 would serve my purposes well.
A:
11,28,10
